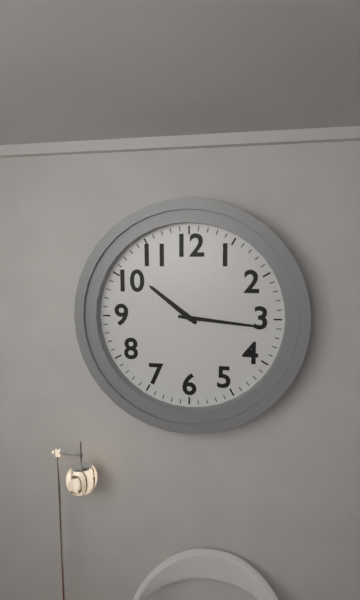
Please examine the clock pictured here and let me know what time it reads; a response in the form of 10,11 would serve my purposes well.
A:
10,16
